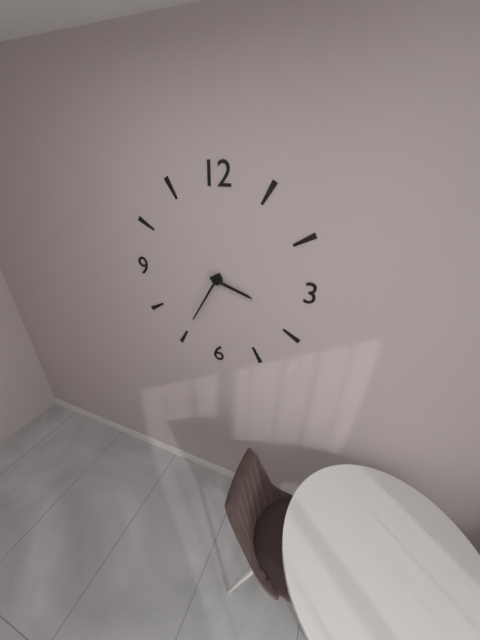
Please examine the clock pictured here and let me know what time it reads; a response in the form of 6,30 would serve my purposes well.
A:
3,35
